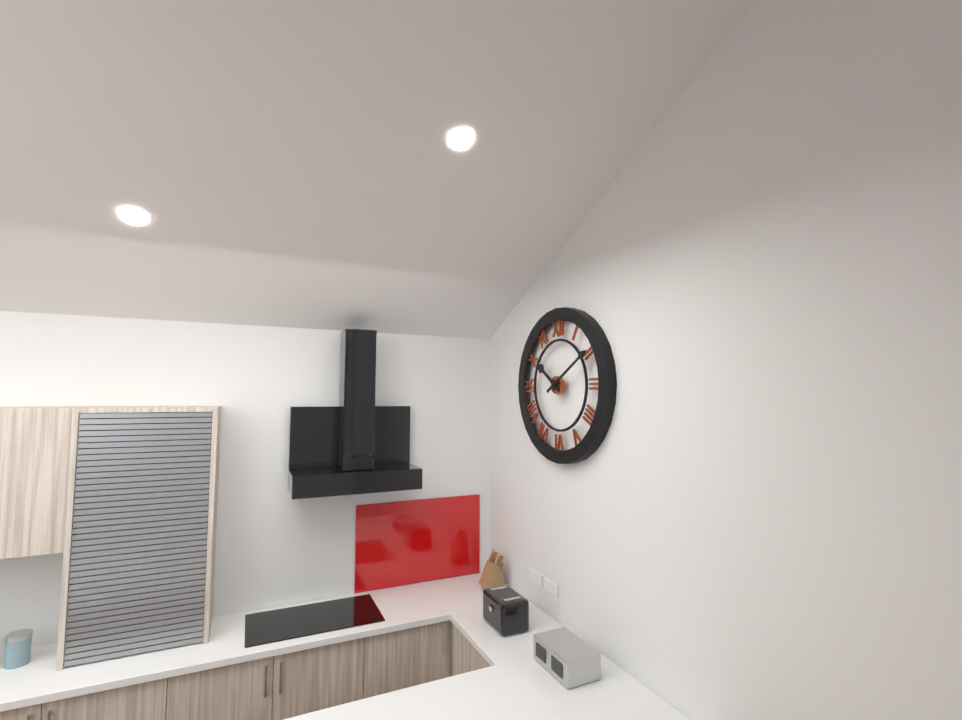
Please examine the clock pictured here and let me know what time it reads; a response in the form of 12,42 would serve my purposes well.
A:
10,10
